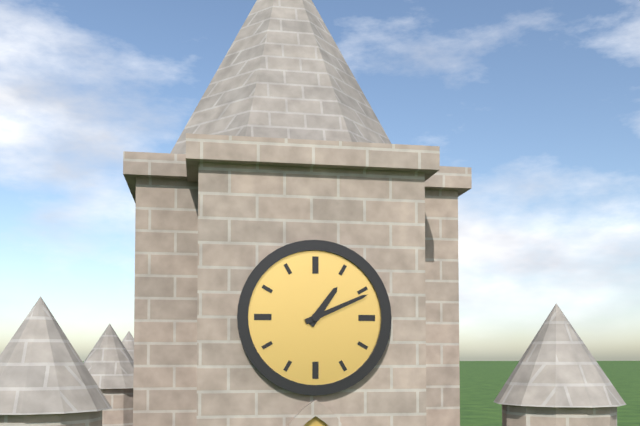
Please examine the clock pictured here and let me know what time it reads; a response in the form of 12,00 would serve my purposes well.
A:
1,11
